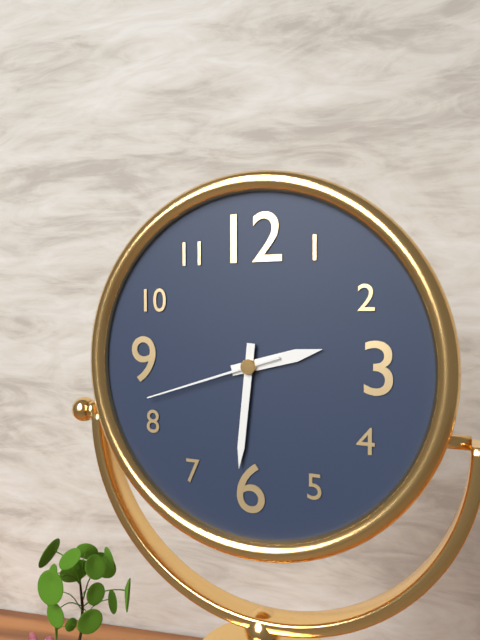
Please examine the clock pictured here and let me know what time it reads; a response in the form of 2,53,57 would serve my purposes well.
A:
2,31,42
